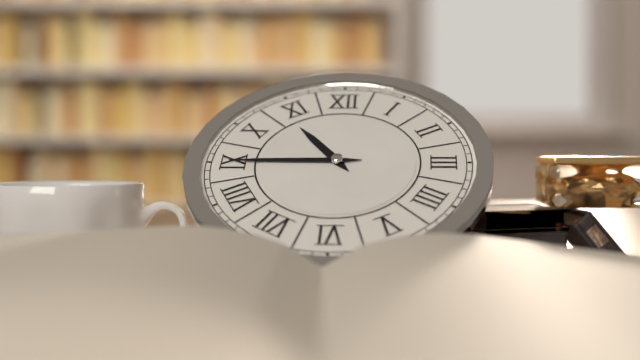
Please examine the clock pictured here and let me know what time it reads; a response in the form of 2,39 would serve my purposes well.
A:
10,45
